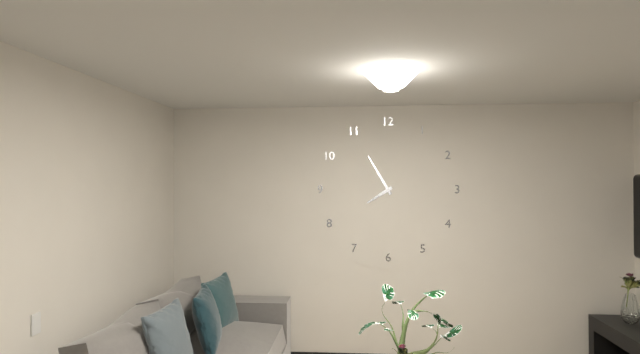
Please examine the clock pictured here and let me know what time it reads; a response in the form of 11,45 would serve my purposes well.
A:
7,55
